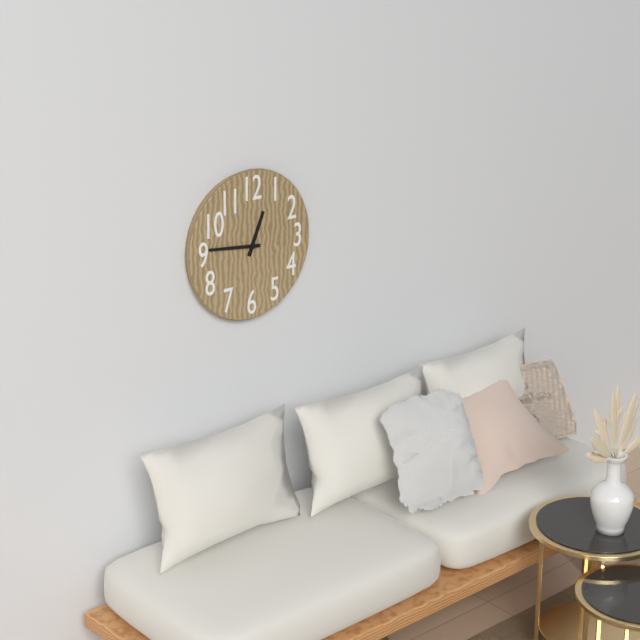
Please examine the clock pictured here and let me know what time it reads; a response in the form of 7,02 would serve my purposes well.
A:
12,46
